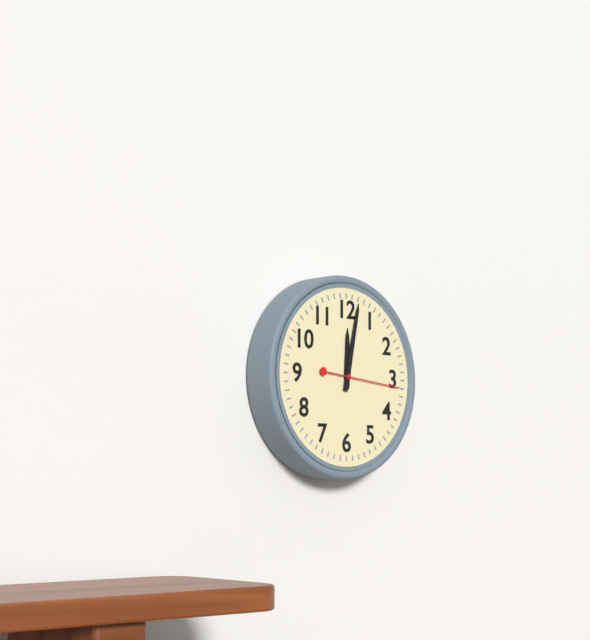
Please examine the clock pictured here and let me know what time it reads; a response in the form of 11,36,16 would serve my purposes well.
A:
12,02,16
